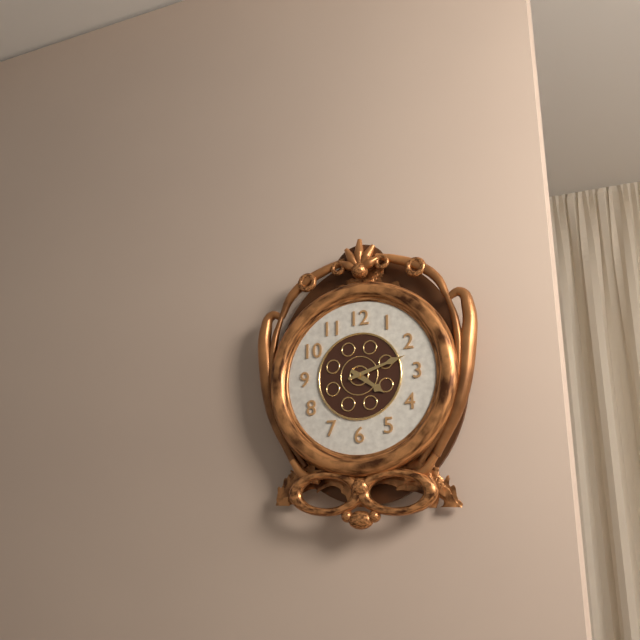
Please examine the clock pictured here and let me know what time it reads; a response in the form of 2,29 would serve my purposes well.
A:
4,12
